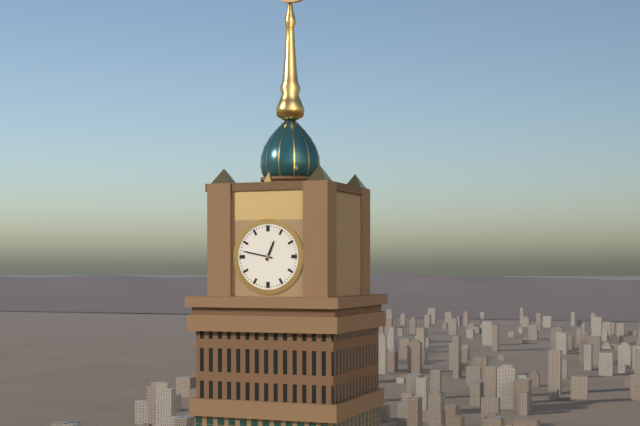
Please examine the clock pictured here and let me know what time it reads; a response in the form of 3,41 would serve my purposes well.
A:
12,47
